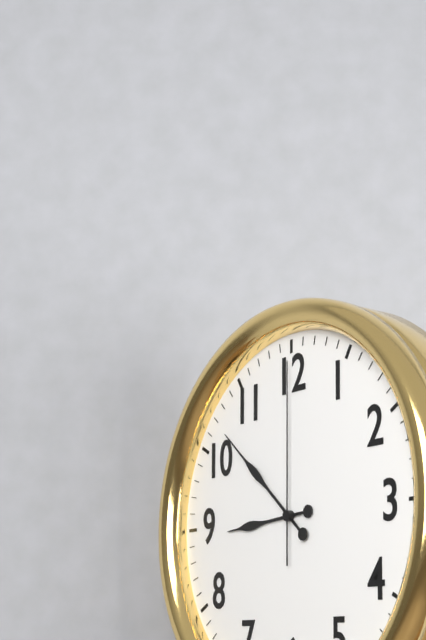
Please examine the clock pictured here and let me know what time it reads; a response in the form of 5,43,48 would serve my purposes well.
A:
8,52,00
